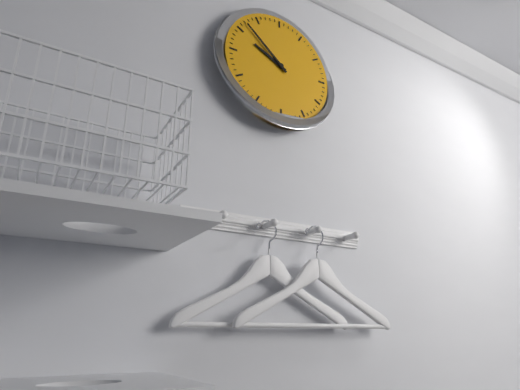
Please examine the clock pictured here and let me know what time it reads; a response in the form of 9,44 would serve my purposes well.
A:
9,52
